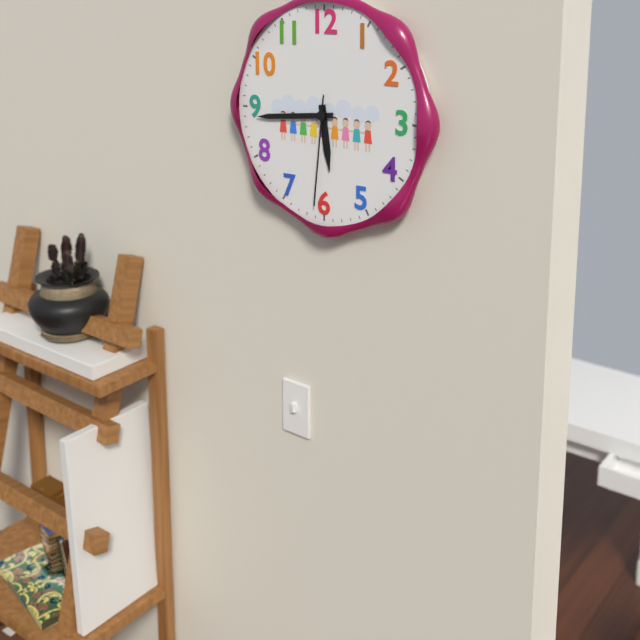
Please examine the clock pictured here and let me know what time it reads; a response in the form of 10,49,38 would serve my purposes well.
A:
5,44,31
